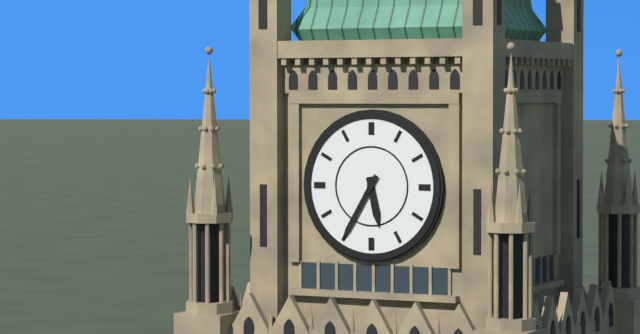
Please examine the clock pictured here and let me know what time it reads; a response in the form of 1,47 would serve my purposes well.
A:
5,35
